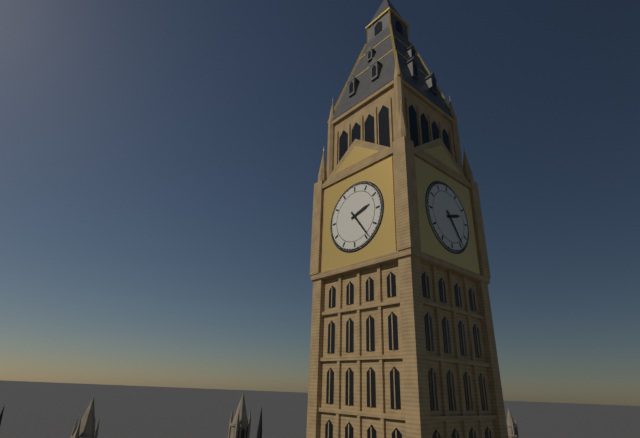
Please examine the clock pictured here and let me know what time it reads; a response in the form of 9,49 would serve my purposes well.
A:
2,24
